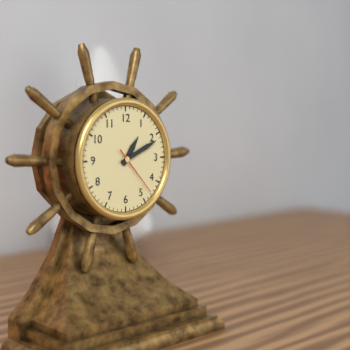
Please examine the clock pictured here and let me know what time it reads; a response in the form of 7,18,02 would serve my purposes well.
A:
1,11,23
